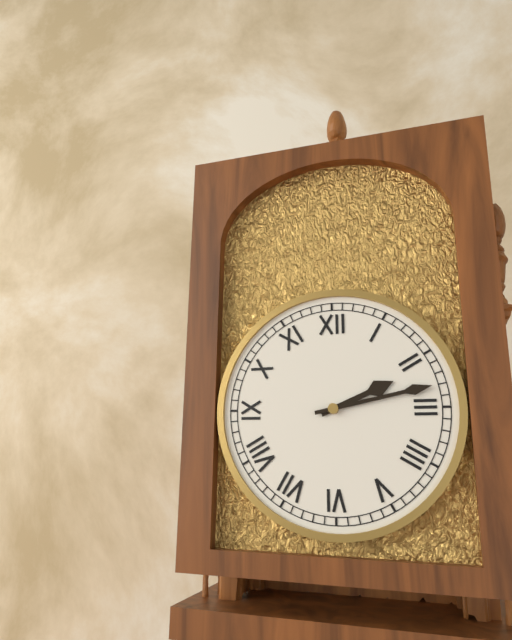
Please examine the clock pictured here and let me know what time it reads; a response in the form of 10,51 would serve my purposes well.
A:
2,13
